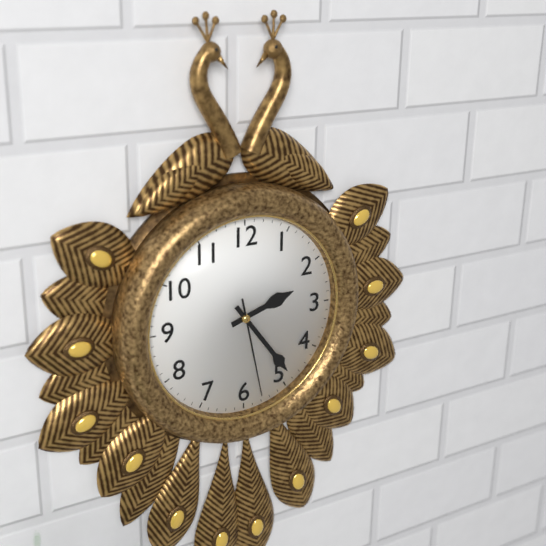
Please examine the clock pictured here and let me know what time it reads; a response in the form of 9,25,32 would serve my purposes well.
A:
2,24,28
